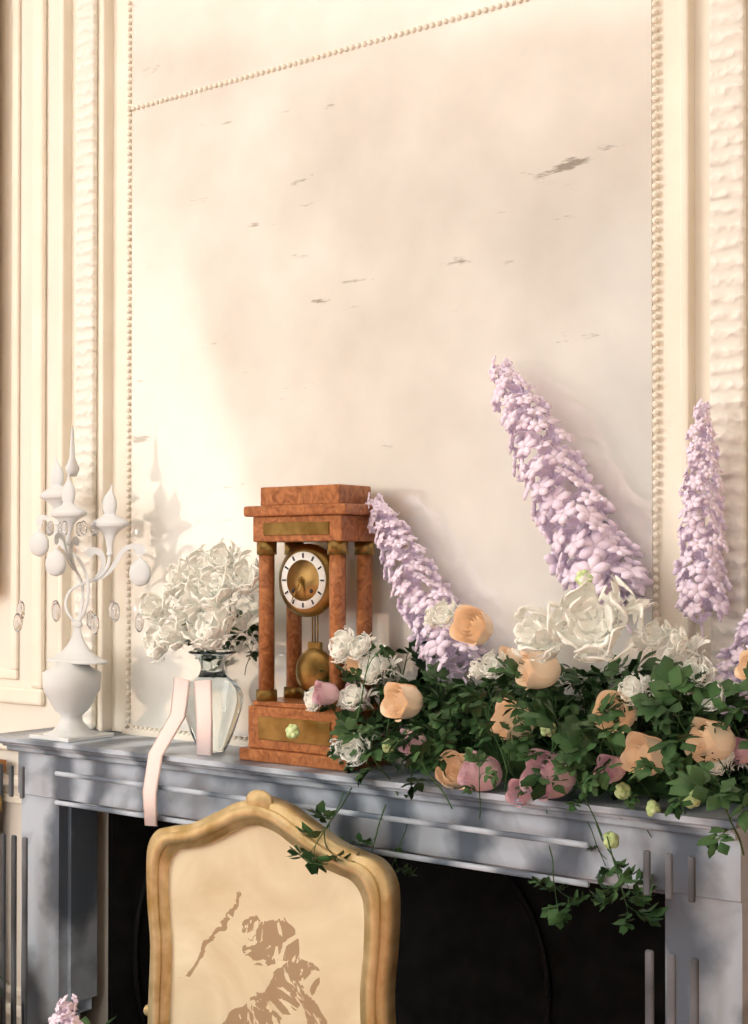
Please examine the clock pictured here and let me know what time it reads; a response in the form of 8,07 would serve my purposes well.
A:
5,35
